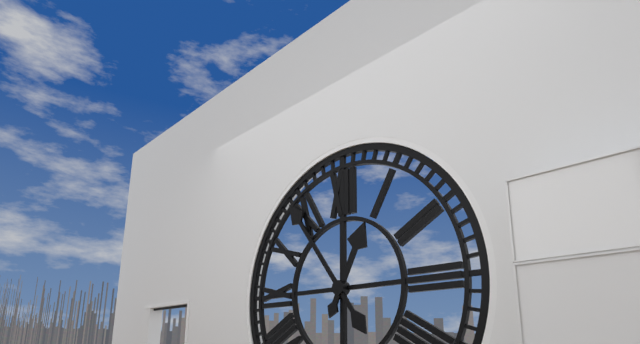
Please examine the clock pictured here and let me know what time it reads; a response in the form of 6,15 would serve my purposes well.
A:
12,54
